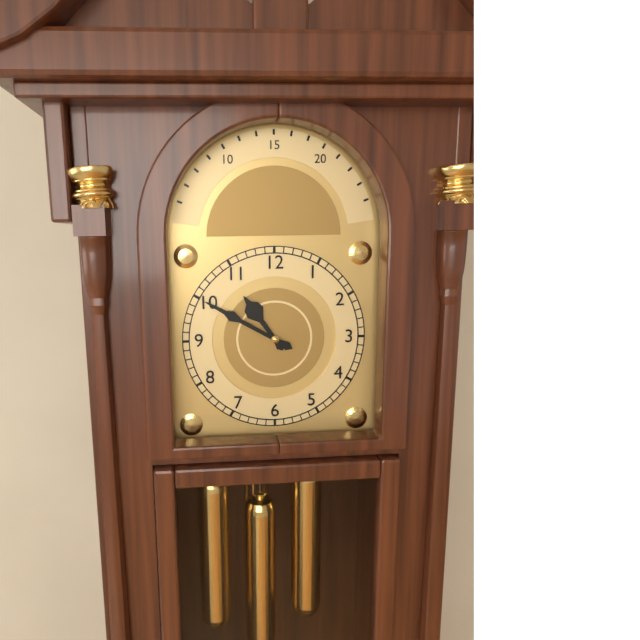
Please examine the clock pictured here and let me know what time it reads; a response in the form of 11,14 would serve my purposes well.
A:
10,50
